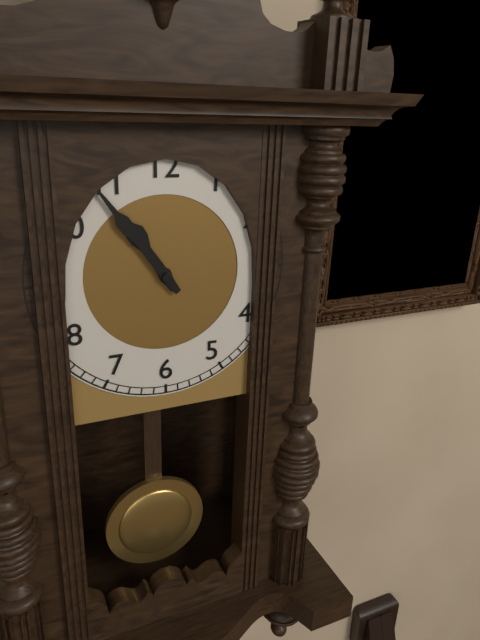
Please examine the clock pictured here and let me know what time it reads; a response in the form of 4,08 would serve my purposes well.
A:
10,54
